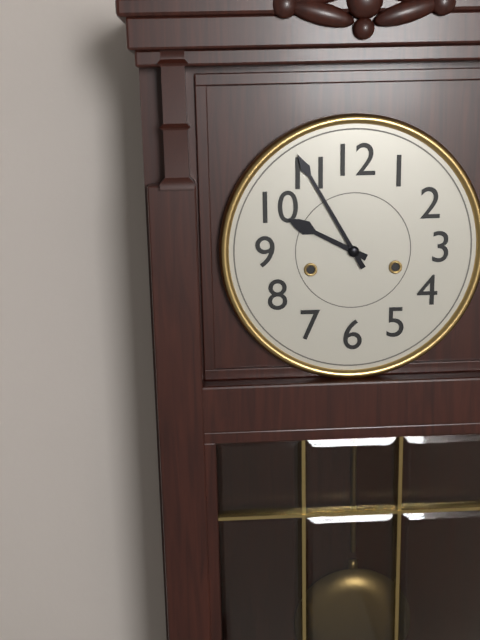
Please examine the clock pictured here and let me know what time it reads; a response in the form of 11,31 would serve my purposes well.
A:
9,55
